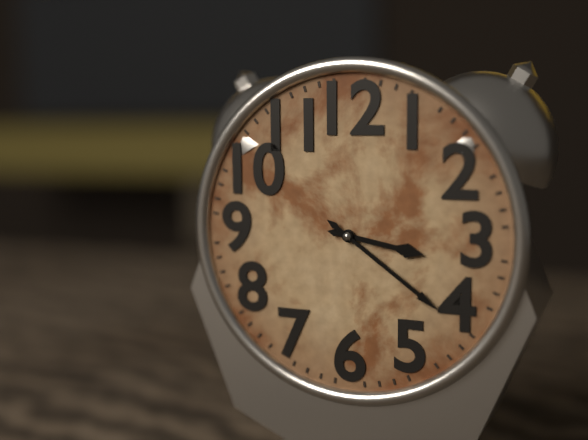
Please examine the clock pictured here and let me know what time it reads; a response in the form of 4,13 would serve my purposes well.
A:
3,21
